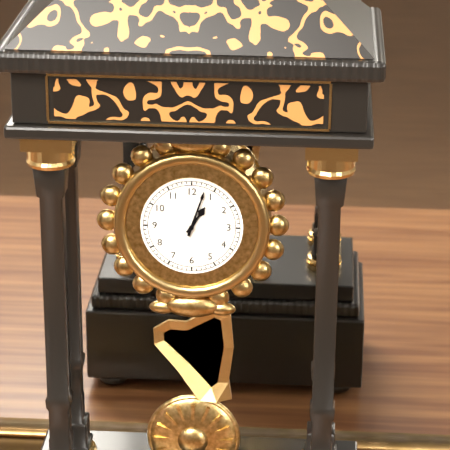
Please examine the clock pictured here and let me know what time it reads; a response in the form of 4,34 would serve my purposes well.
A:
1,03
